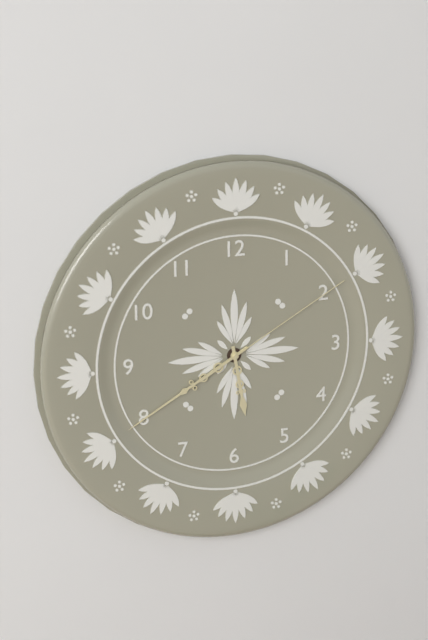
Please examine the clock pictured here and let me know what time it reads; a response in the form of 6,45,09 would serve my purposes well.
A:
5,40,10
